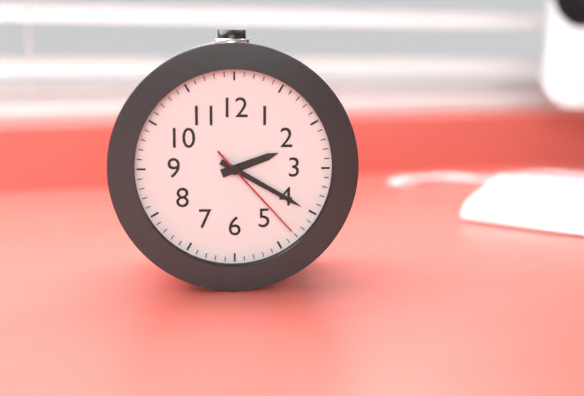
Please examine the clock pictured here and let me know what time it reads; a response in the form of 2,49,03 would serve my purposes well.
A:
2,20,23
